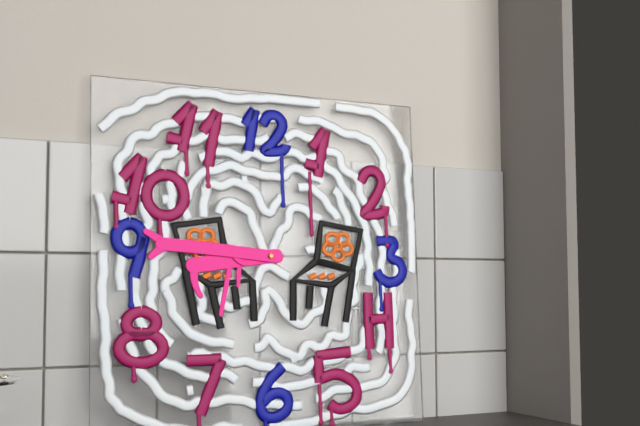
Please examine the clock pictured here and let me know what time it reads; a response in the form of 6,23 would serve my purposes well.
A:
8,46
